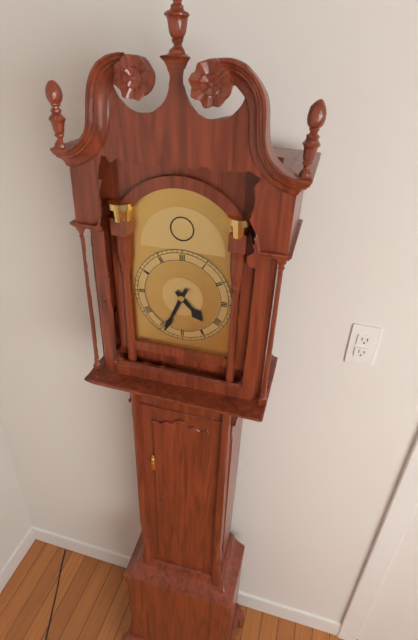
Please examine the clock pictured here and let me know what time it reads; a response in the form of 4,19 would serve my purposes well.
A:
4,34
